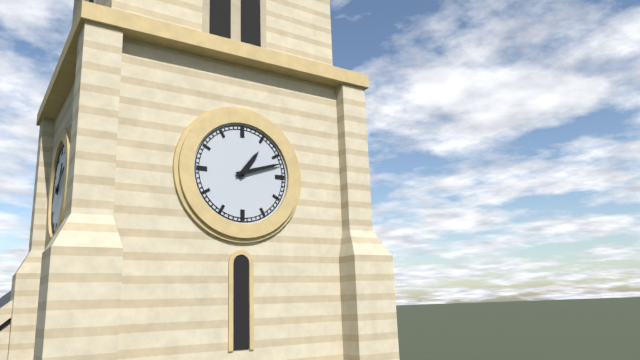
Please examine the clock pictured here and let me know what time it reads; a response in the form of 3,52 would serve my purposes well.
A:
1,12
